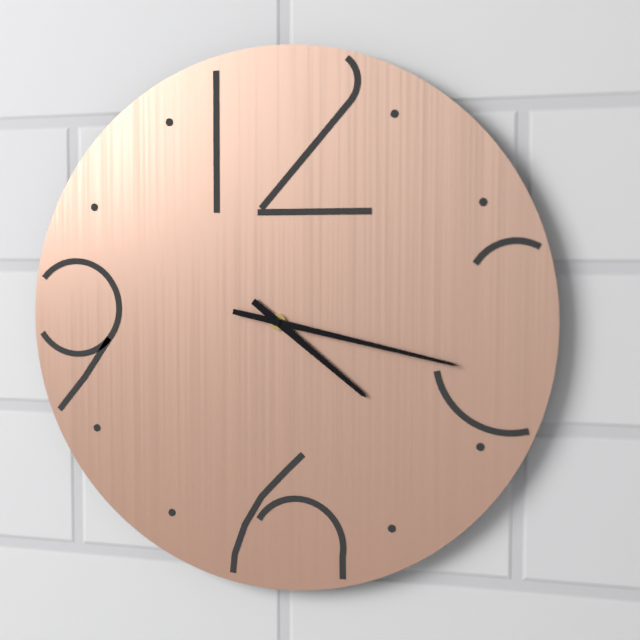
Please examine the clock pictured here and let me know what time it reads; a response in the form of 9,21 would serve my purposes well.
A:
4,17
